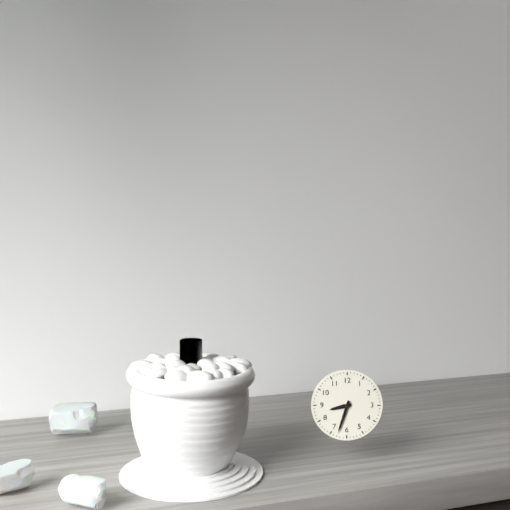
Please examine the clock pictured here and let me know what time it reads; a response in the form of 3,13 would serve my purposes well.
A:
8,33
